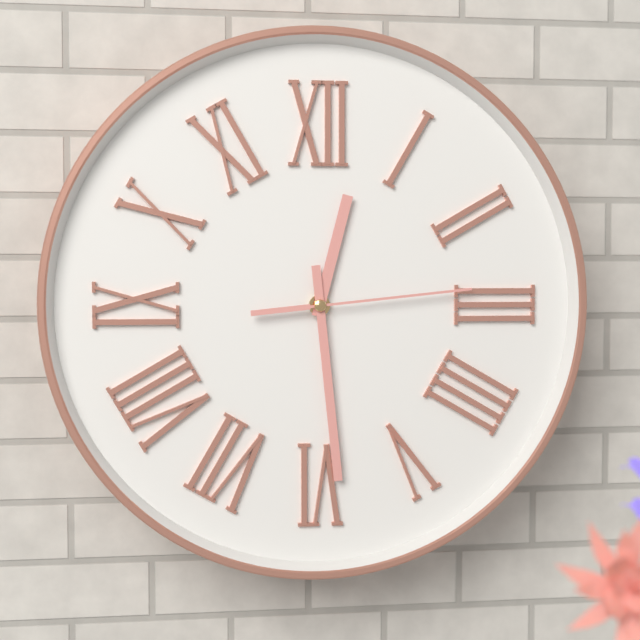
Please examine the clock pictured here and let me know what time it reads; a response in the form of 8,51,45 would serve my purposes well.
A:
12,29,14
